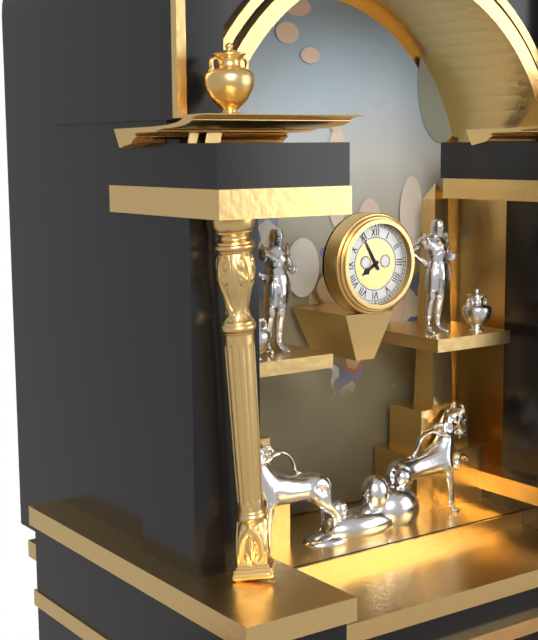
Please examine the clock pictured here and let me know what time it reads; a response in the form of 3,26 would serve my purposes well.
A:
7,55
